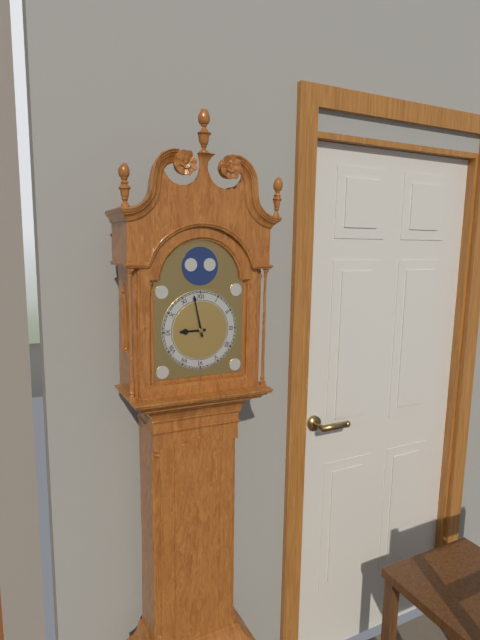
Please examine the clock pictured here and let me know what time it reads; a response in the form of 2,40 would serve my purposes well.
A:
8,58
